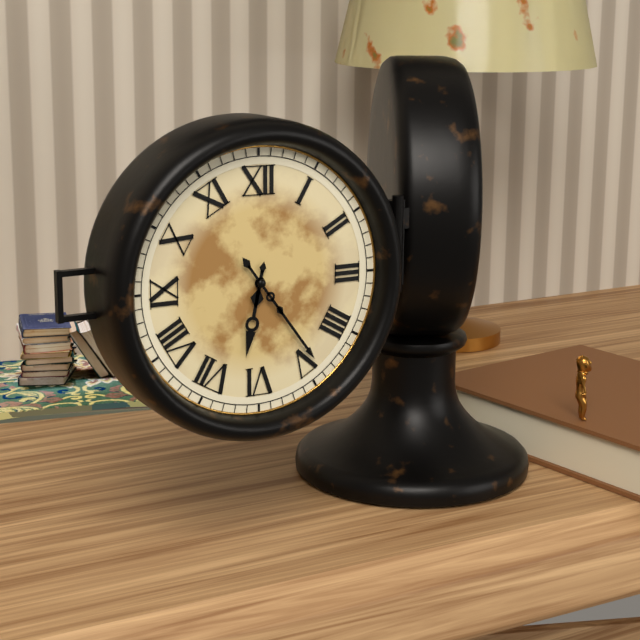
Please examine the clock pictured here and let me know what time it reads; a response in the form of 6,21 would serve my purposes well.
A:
6,24
